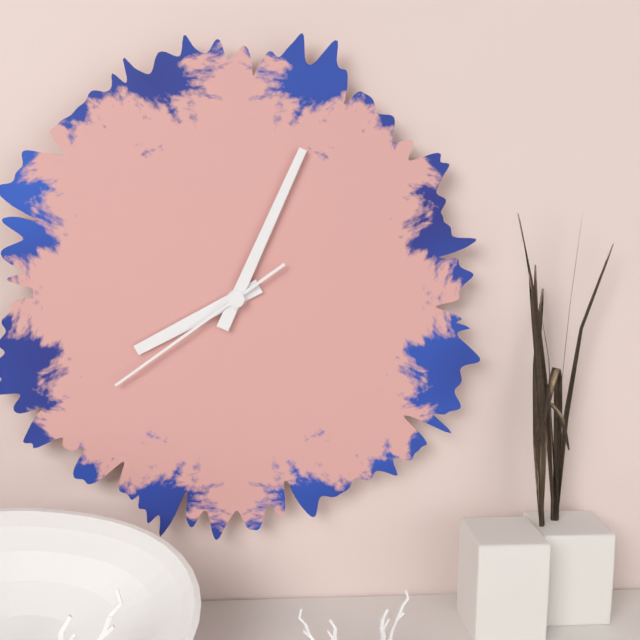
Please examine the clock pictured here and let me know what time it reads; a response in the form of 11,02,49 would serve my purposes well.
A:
8,04,39
